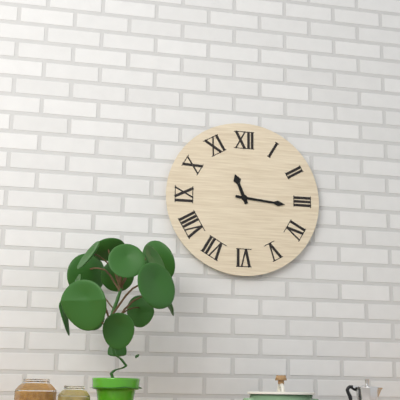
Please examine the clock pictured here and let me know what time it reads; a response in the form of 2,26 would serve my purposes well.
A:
11,16
